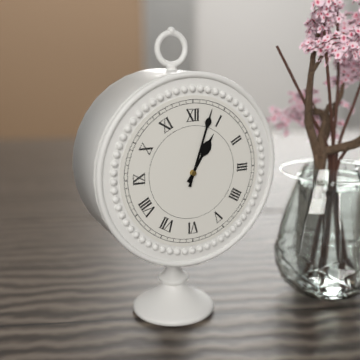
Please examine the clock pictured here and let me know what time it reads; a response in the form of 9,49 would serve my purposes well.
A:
1,03
